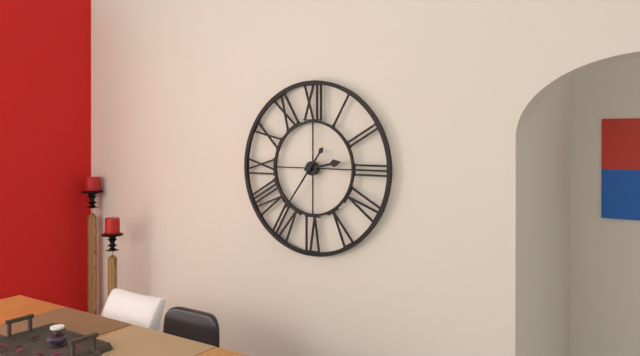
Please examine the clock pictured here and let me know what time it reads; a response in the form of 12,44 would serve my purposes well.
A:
2,36
